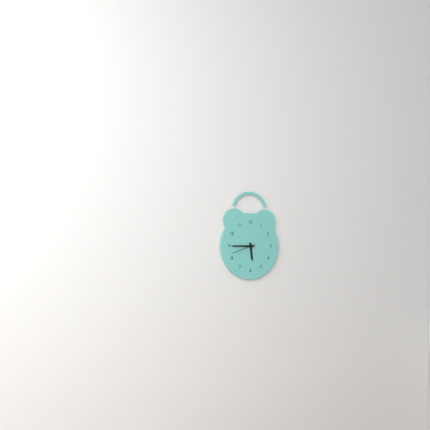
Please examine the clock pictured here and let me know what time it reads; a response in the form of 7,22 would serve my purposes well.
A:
5,45
